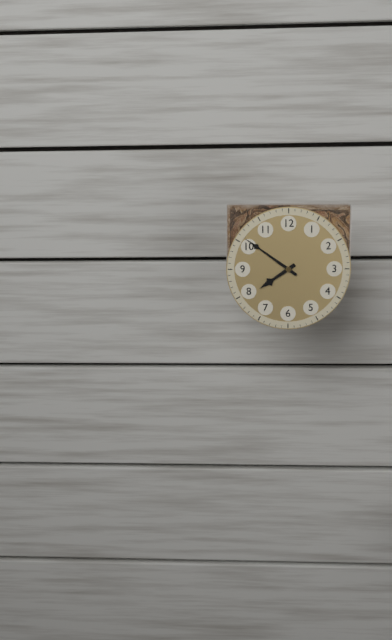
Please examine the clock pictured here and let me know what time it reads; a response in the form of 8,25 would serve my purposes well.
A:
7,51
